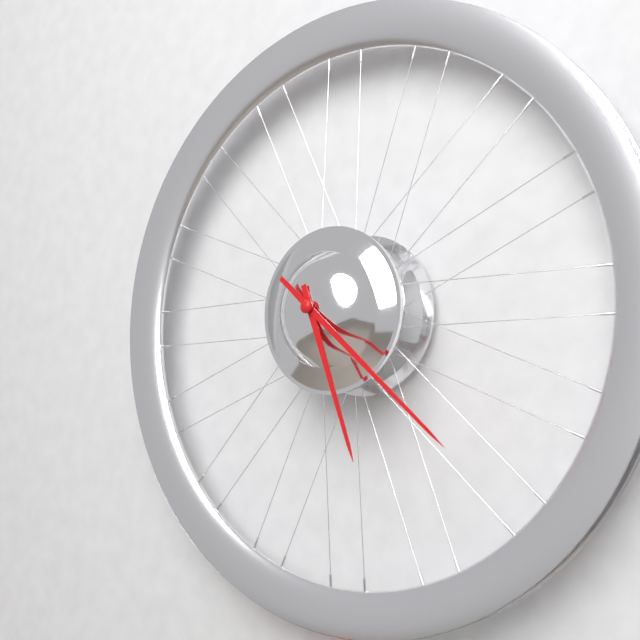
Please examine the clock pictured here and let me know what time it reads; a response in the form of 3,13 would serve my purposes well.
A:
5,22
